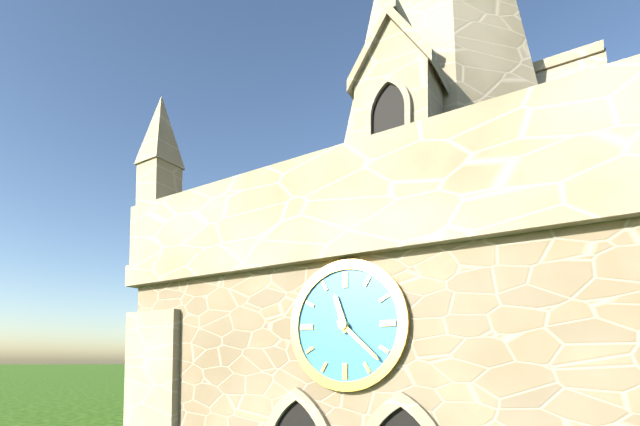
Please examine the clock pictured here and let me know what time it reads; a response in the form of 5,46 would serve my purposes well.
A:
11,22
